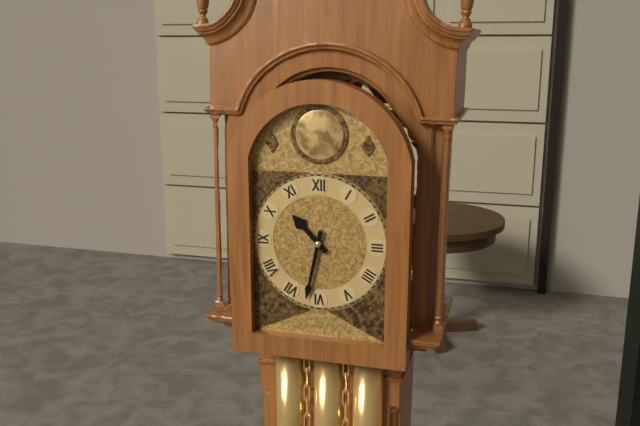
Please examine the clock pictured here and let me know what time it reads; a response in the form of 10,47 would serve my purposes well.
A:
10,32
